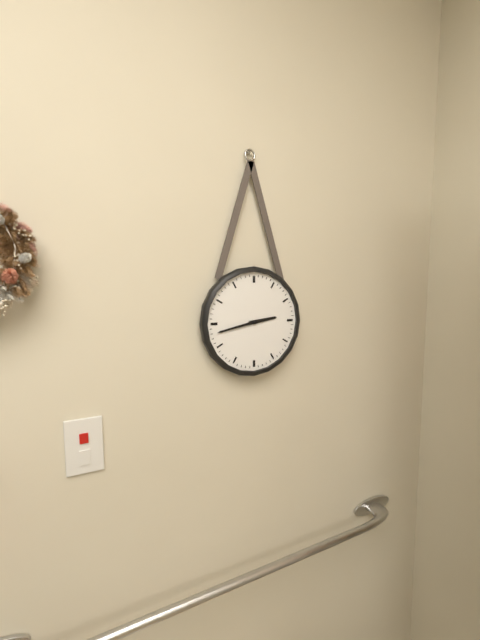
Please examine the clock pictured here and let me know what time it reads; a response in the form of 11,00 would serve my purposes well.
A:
2,43
